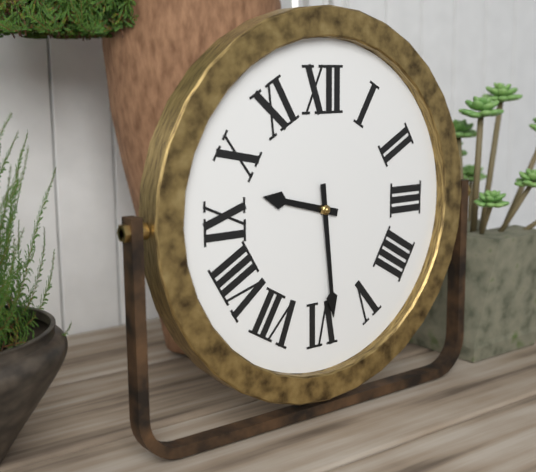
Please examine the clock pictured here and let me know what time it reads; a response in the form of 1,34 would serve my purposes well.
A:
9,29
